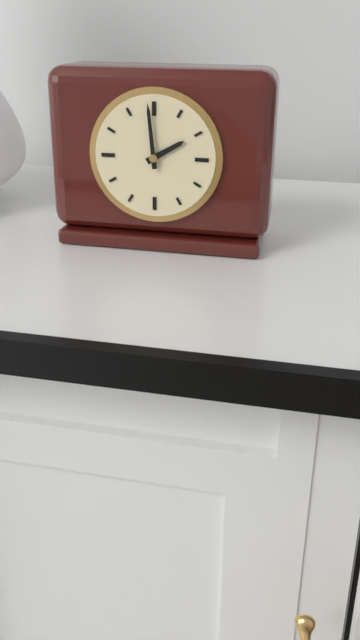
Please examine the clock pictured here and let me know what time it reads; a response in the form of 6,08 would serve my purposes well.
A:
1,59
